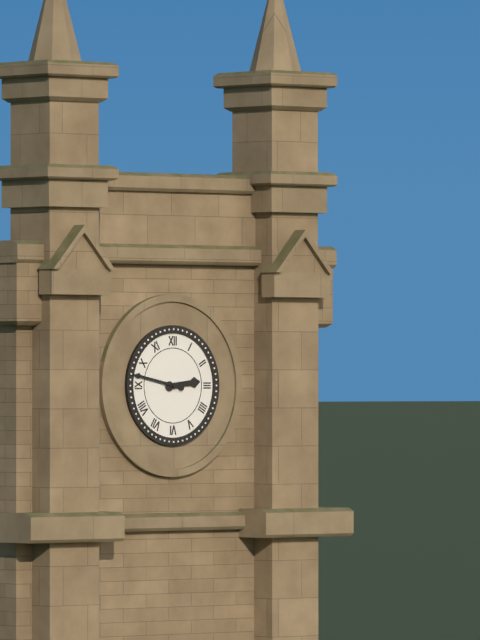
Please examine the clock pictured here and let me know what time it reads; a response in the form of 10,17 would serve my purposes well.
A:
2,47
